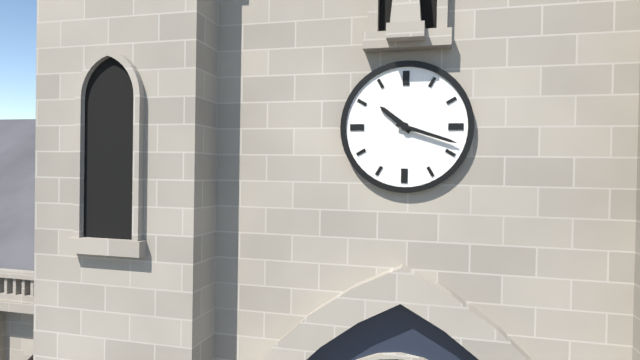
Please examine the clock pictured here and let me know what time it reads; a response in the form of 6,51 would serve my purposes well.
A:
10,18
